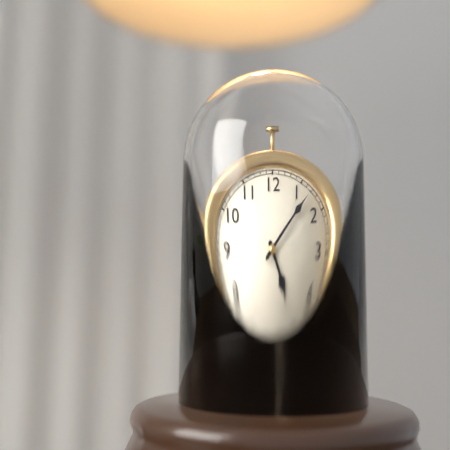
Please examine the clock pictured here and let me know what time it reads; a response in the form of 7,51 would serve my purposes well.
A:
5,07
